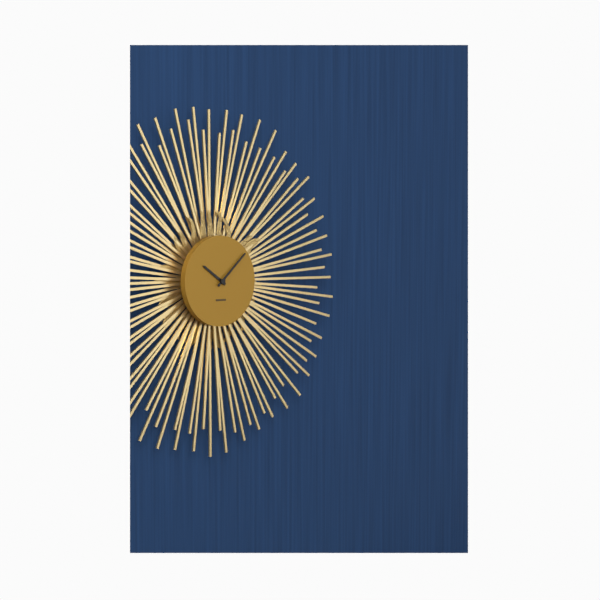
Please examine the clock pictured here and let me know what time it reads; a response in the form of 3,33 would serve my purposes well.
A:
10,08
